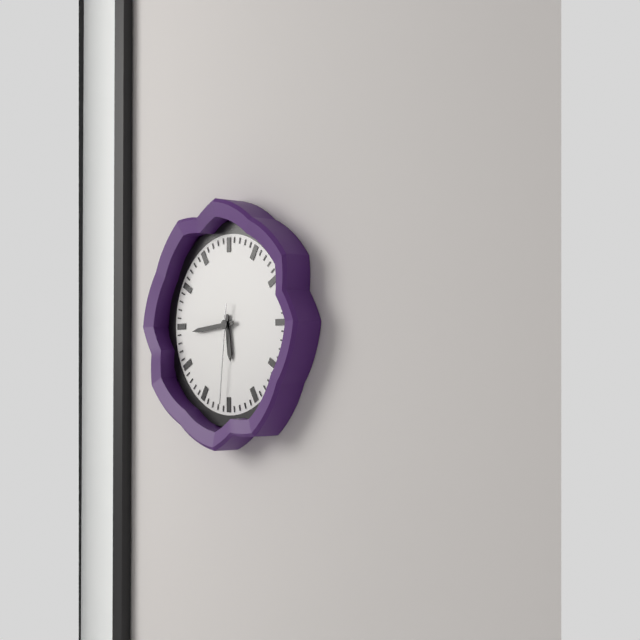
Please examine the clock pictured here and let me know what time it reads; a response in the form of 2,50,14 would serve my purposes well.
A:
5,44,31
